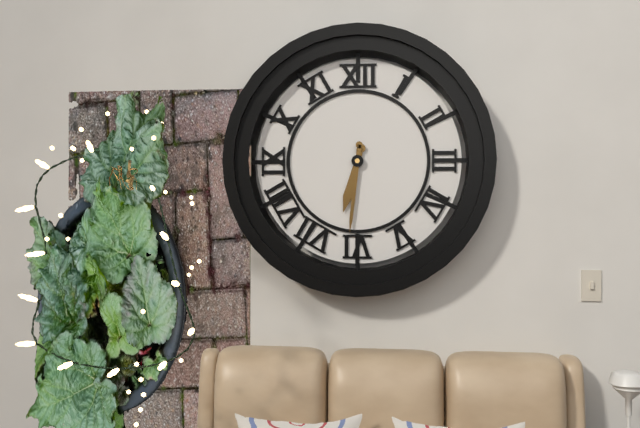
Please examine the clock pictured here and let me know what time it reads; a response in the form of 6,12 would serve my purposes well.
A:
6,31
